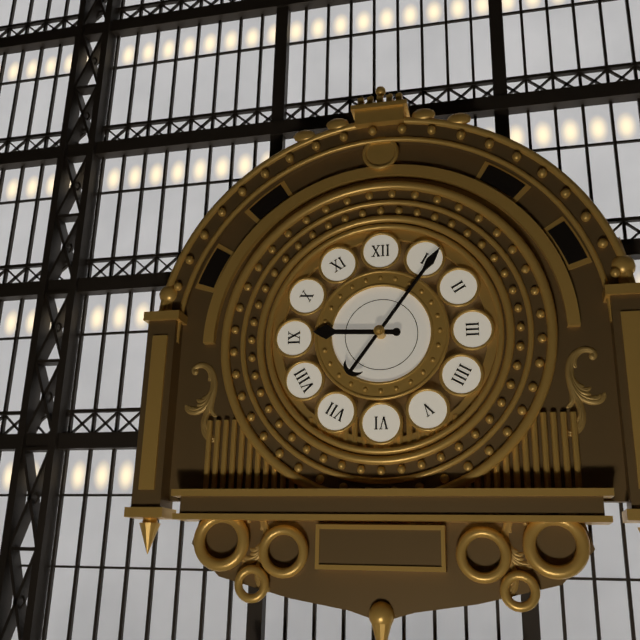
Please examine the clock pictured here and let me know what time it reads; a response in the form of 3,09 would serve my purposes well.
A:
9,06
